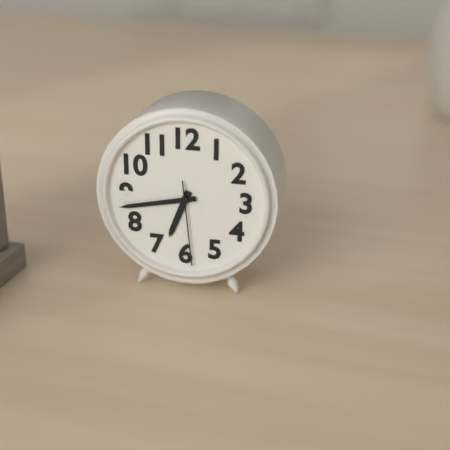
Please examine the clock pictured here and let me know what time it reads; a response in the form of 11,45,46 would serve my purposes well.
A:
6,43,29
